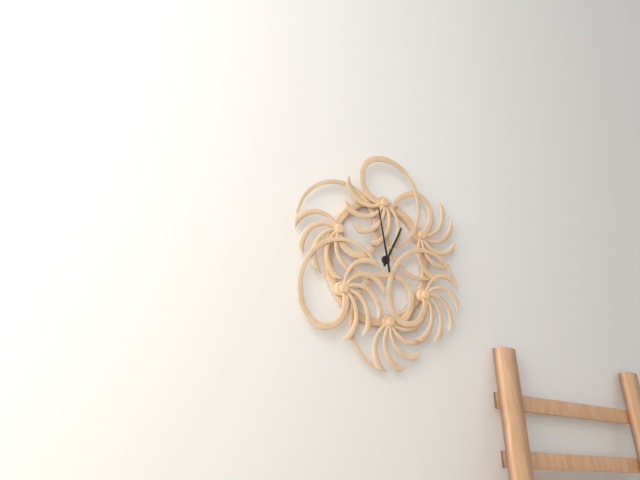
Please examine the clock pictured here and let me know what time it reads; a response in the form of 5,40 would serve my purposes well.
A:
12,58
